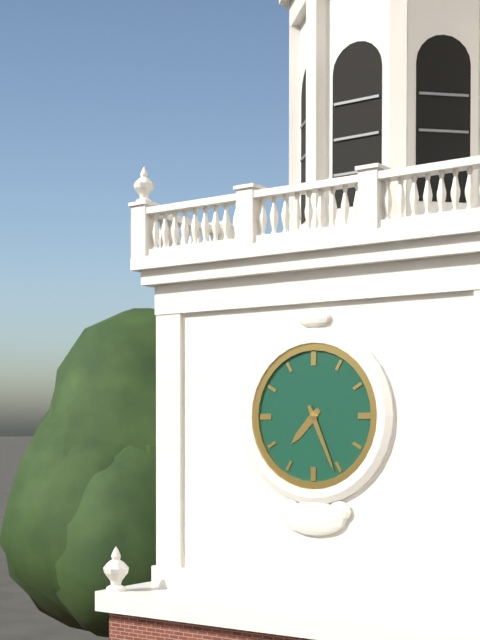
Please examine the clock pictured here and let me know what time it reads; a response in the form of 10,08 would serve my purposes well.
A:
7,26
